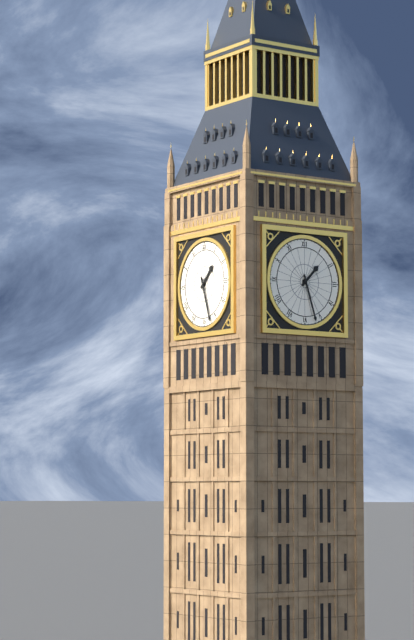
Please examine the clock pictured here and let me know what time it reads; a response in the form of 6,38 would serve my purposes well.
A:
1,27
